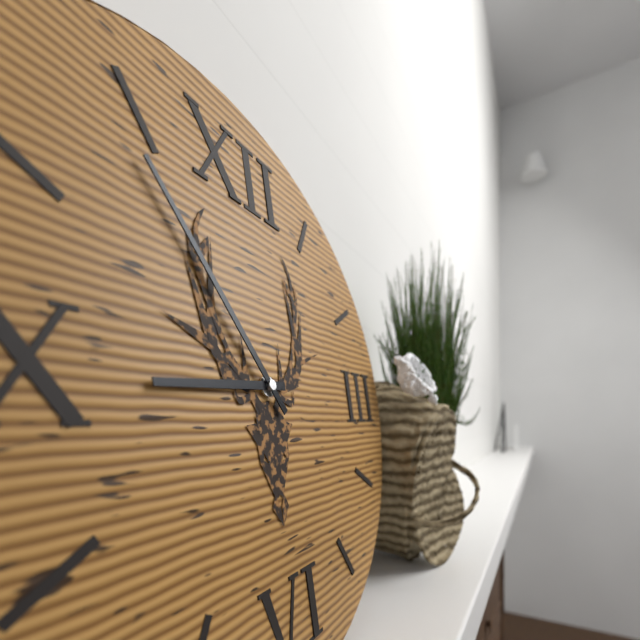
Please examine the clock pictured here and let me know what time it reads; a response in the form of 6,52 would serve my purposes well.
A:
8,54
